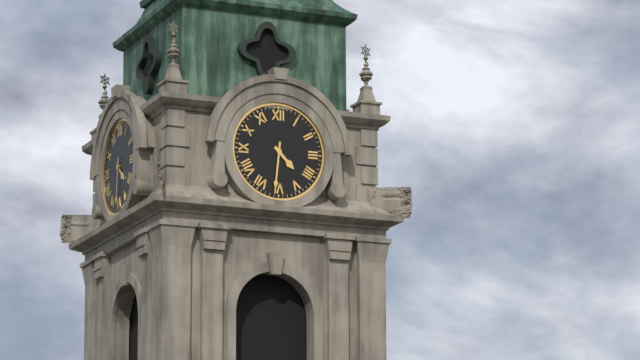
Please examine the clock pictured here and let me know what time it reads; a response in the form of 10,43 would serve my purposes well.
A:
4,31
